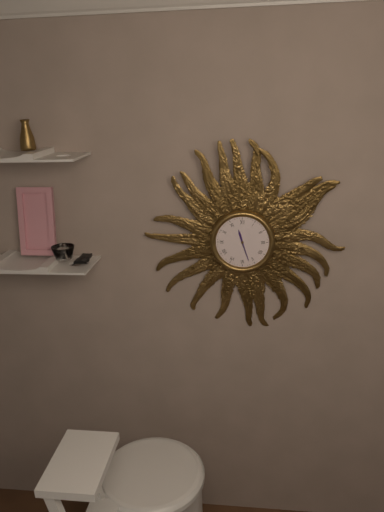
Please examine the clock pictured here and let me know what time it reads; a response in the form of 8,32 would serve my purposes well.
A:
11,27
